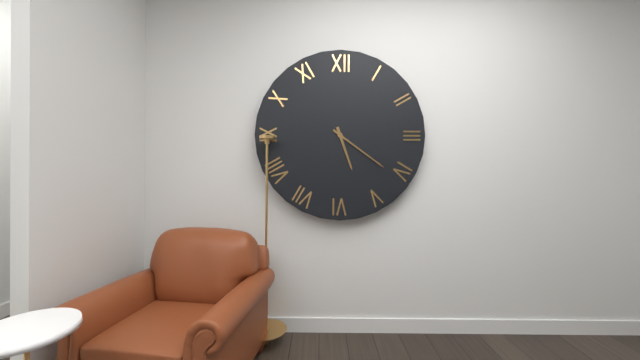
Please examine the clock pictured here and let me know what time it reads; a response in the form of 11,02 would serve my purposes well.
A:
5,21
